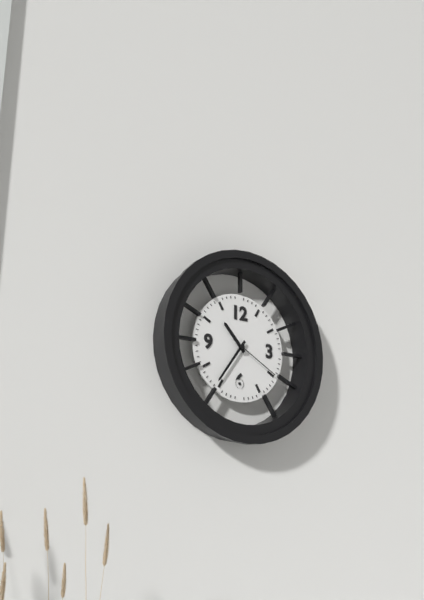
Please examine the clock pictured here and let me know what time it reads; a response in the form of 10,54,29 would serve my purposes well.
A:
10,36,20
